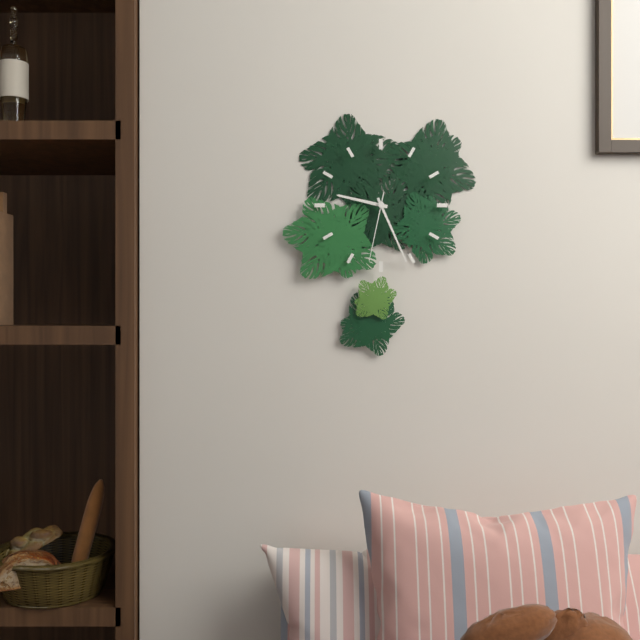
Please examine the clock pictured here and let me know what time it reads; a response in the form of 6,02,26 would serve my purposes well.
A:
9,26,32
